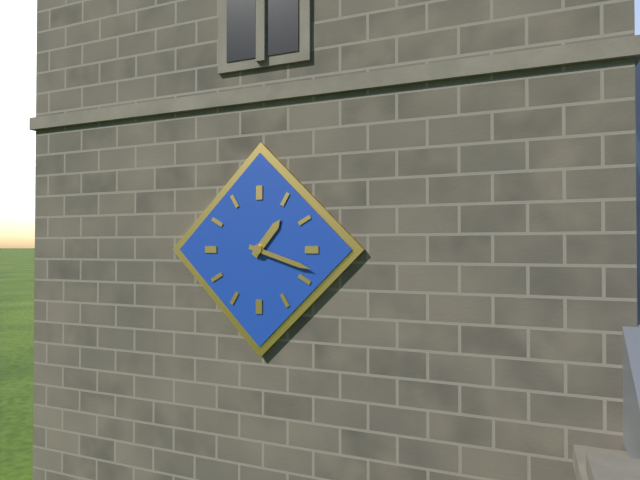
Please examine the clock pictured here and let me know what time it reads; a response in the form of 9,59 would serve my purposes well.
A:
1,18
